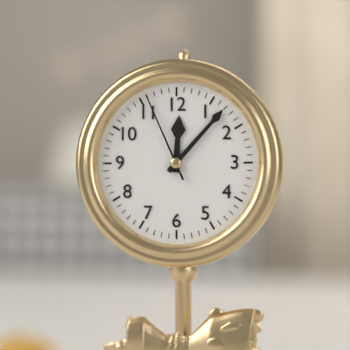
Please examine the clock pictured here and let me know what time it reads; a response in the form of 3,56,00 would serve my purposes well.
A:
12,07,56
